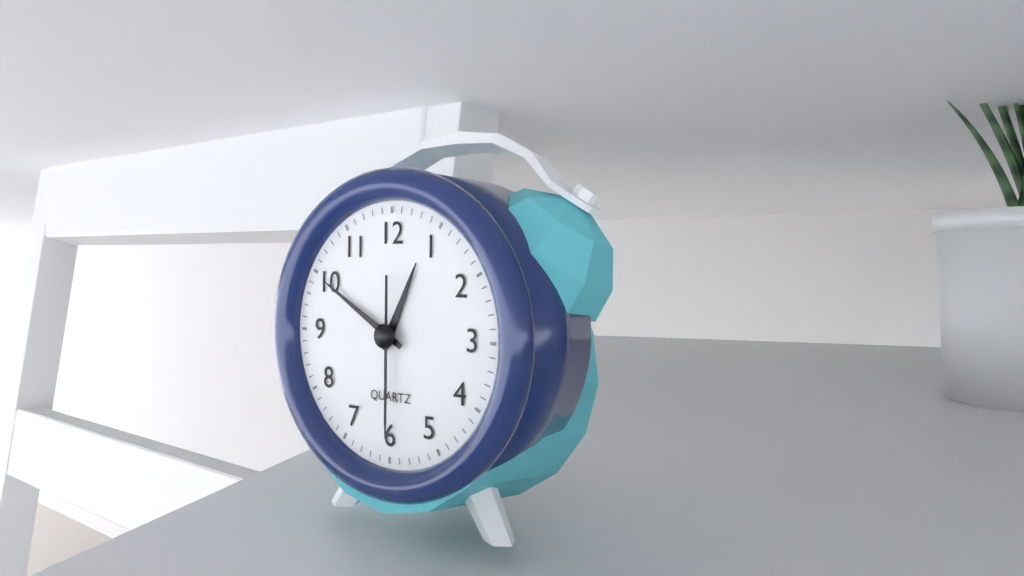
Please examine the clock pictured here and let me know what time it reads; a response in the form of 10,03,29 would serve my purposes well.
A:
12,50,30
